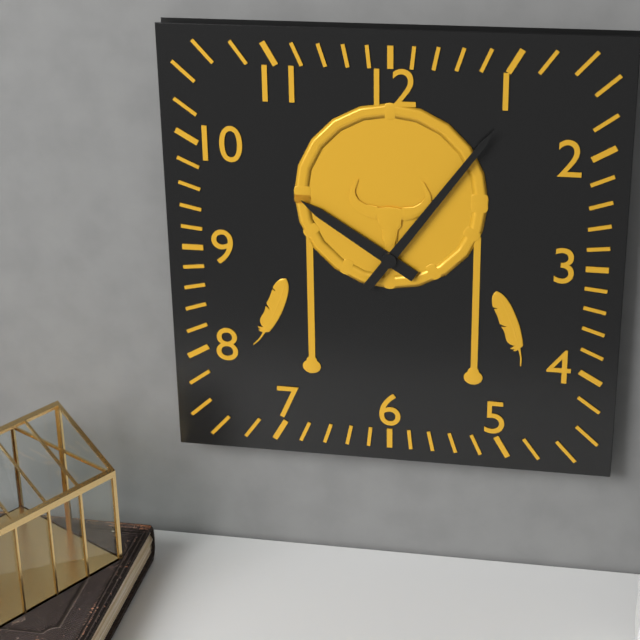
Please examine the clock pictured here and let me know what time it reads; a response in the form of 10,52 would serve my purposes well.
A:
10,06
